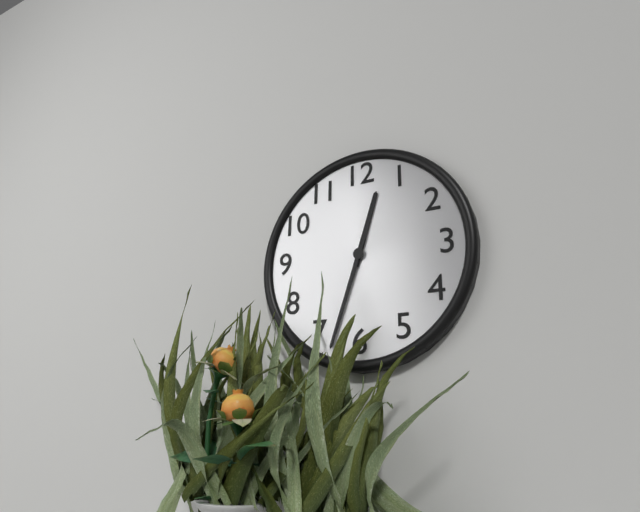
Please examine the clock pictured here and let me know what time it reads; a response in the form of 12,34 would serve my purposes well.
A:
12,33
